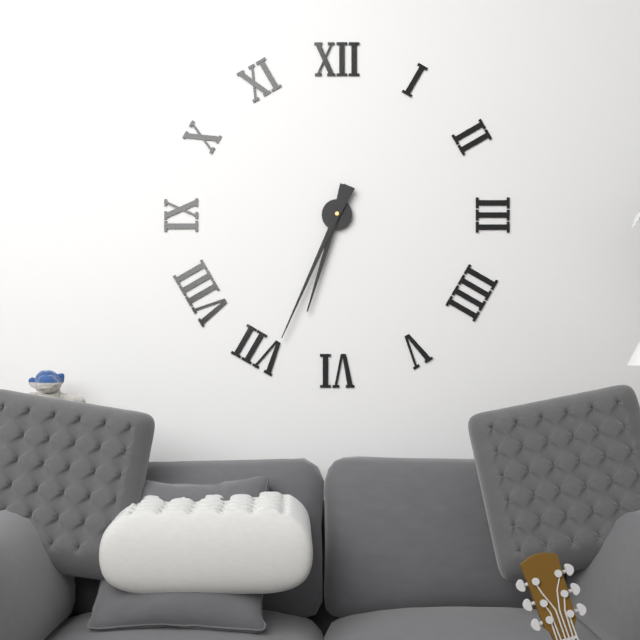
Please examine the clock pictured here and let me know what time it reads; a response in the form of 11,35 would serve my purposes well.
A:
6,34
